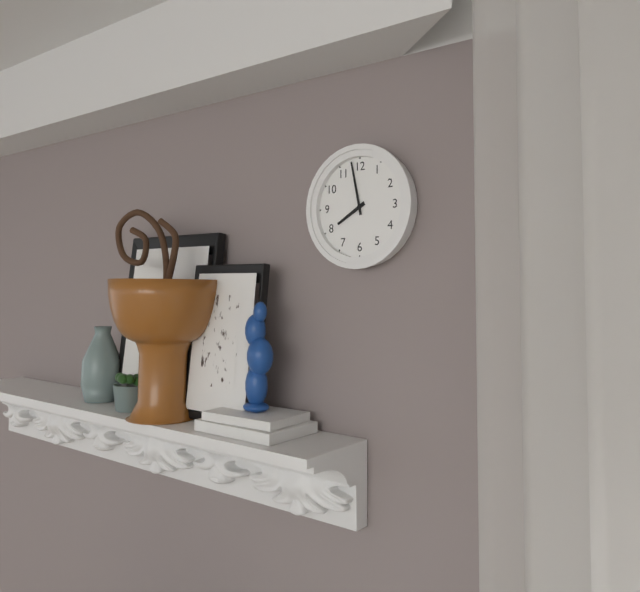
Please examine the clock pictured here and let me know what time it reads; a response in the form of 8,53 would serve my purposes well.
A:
7,58
